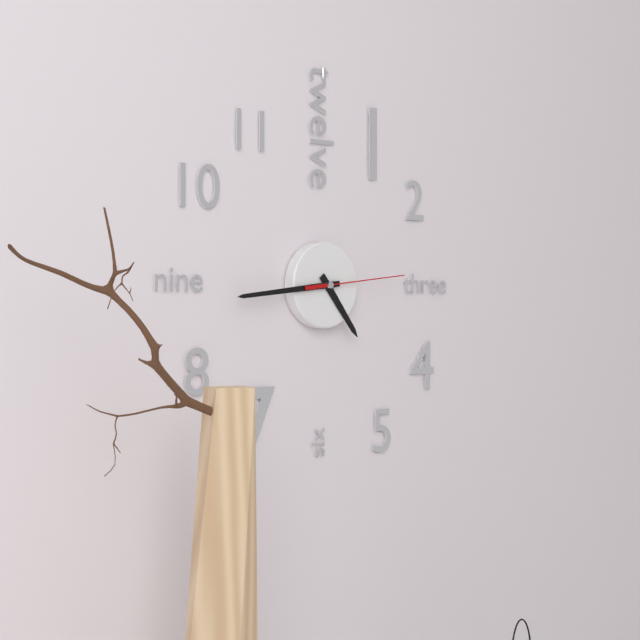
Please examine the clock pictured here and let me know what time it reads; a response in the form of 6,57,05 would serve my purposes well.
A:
4,44,14
